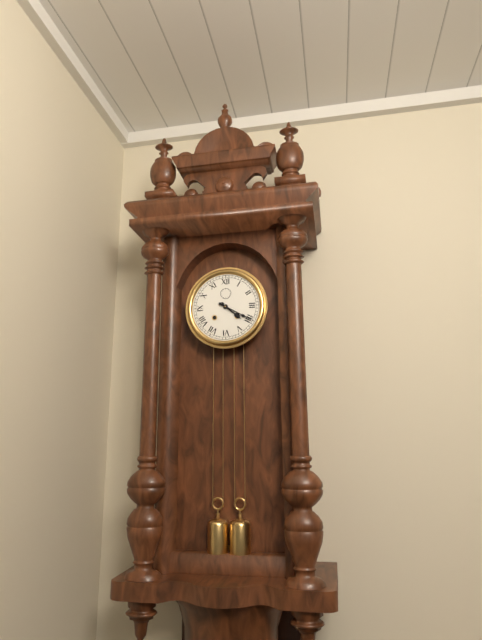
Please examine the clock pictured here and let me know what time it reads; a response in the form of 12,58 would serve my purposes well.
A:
4,20
